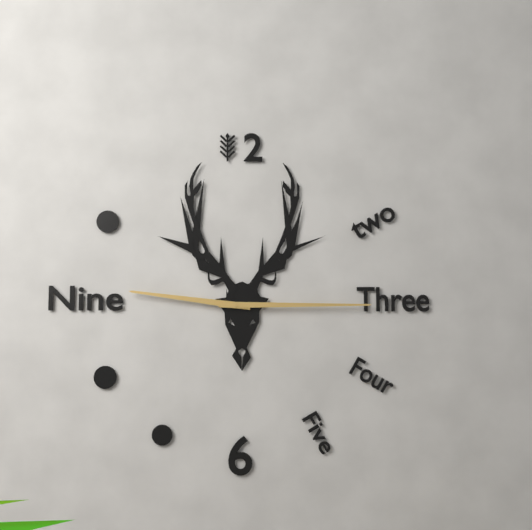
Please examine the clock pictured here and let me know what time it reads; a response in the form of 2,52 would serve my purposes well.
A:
9,15
